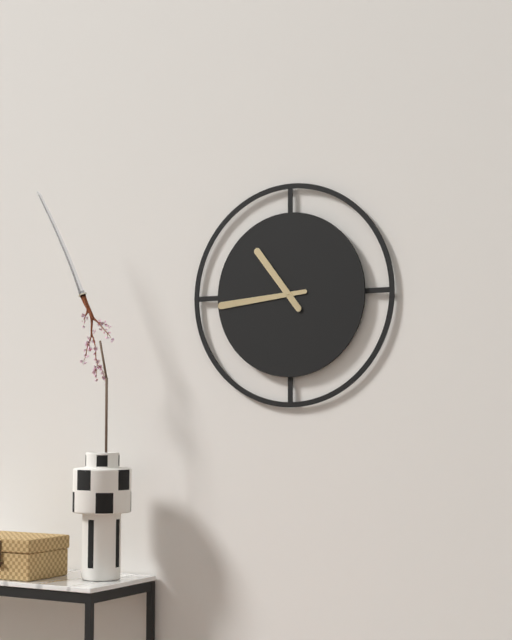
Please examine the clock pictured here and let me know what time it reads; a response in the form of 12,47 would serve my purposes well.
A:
10,44
